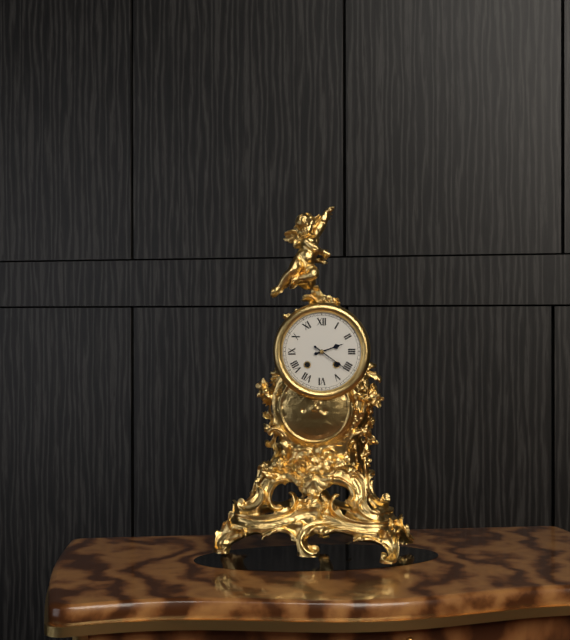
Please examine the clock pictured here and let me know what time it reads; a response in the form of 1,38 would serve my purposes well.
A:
2,21
